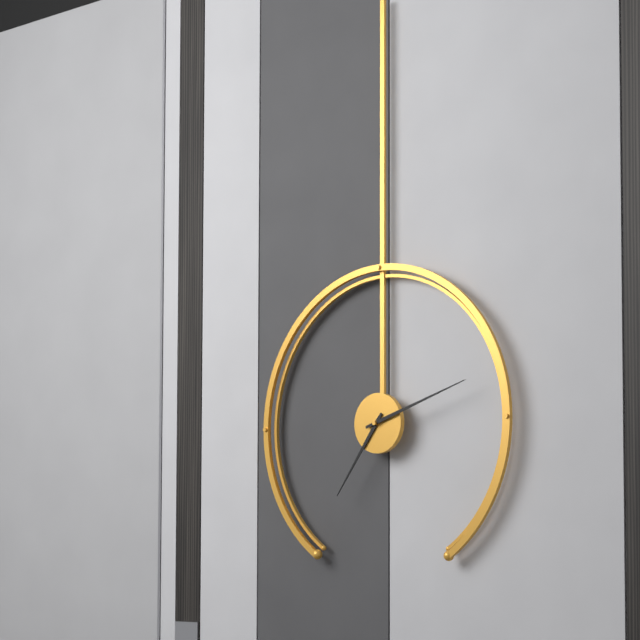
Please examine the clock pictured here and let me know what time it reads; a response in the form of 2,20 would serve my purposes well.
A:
7,12
